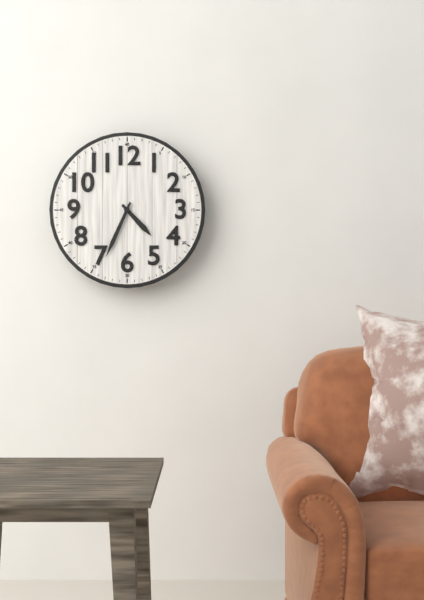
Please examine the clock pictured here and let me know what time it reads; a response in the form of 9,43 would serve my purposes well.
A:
4,34
